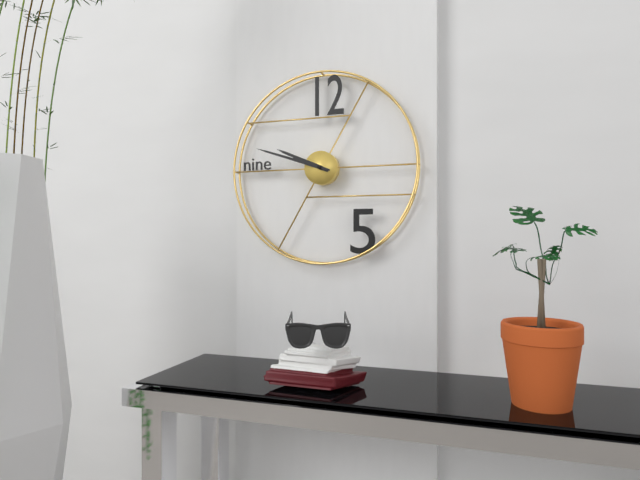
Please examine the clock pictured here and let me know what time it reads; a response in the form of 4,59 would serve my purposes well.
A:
9,48
